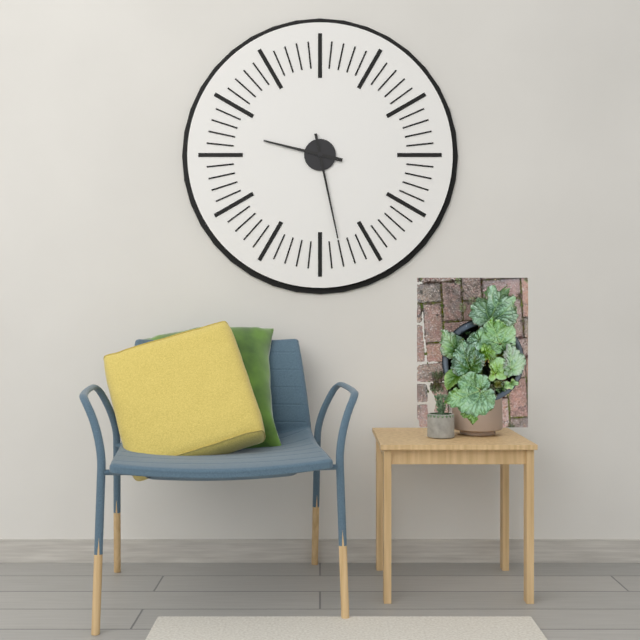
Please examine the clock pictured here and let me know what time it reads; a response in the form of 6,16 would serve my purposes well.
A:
9,28
